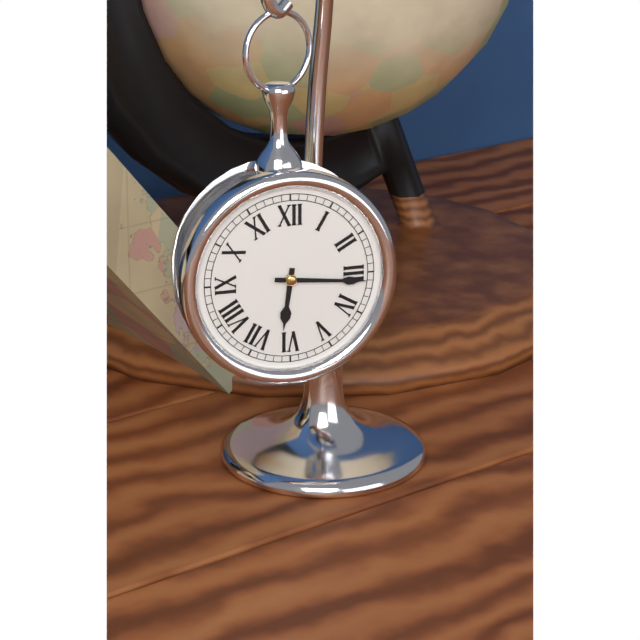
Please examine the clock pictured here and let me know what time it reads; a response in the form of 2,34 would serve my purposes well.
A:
6,16
